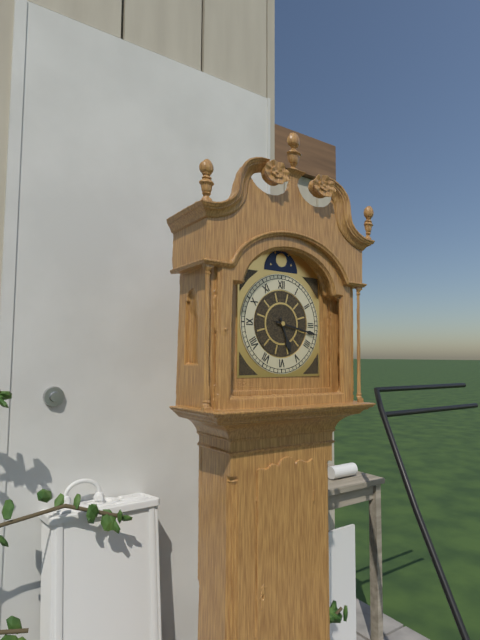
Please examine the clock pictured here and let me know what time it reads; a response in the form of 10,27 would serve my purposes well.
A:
5,17
